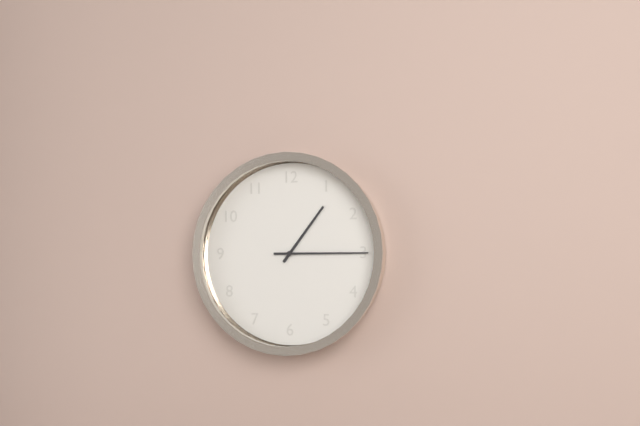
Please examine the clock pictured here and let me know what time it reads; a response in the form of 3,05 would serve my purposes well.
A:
1,15
